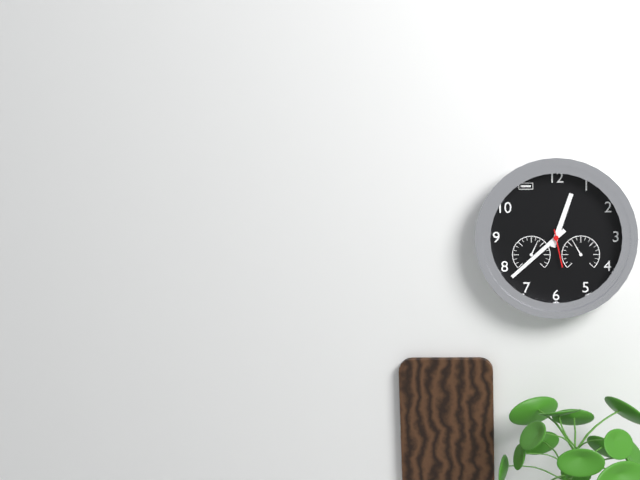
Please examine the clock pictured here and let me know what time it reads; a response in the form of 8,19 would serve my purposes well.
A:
12,38
